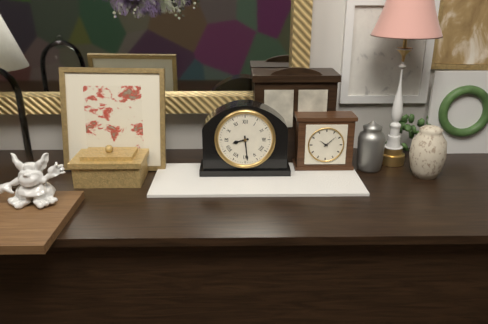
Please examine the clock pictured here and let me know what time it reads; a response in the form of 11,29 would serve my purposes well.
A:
8,29
